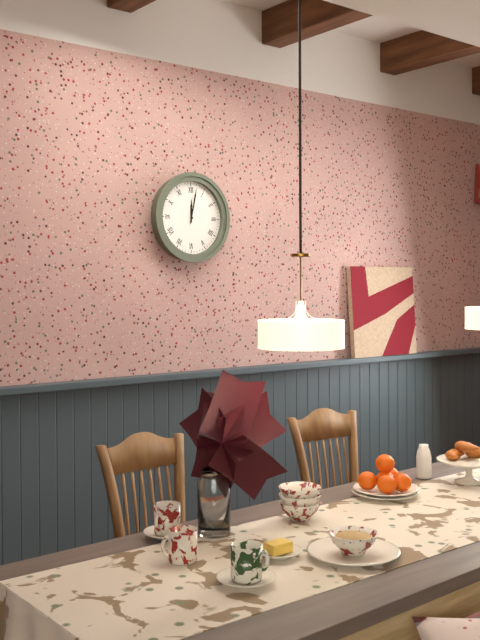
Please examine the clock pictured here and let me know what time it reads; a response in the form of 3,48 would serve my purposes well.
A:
12,02
